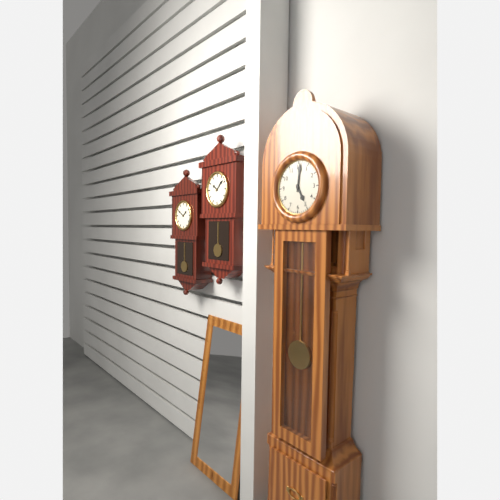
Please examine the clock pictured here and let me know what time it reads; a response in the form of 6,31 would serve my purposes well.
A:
5,01
